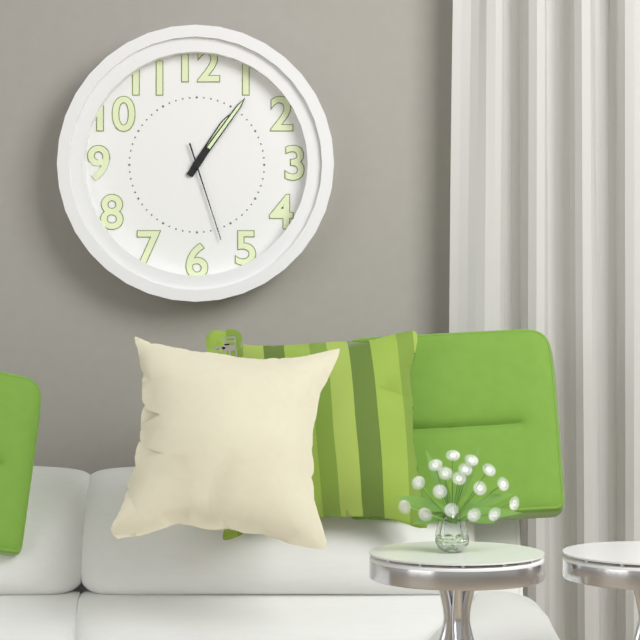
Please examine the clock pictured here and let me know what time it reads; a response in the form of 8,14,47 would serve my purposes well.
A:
1,06,27
